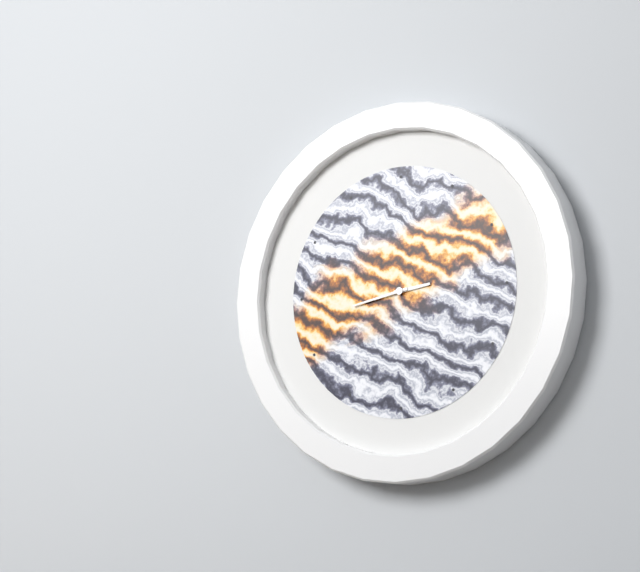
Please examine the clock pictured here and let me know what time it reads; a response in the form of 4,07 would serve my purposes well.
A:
2,43
